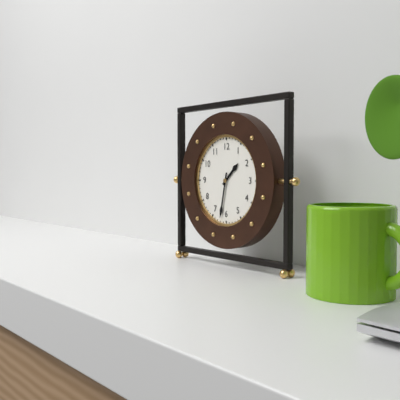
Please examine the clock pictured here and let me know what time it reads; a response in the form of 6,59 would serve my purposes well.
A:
1,32
